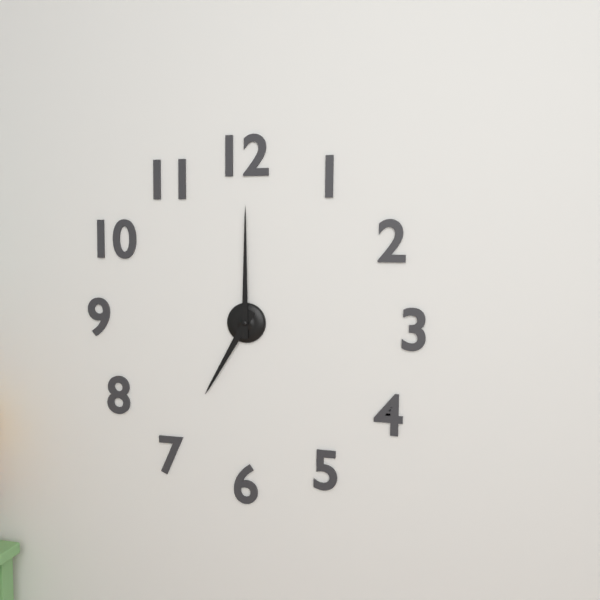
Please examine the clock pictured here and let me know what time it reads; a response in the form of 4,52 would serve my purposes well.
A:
7,00
